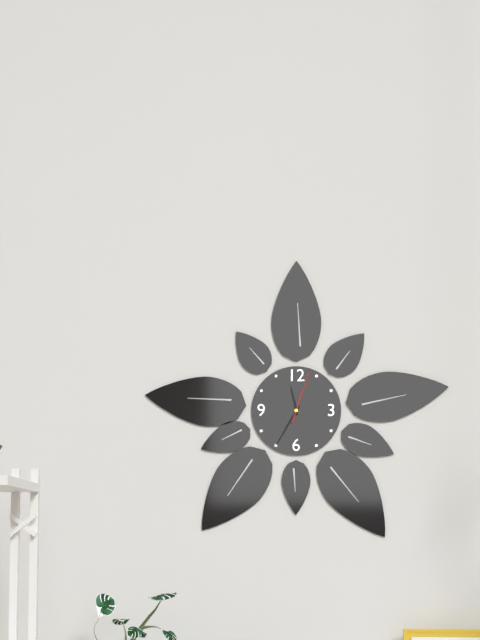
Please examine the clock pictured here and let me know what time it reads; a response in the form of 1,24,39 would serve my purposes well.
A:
11,35,03
